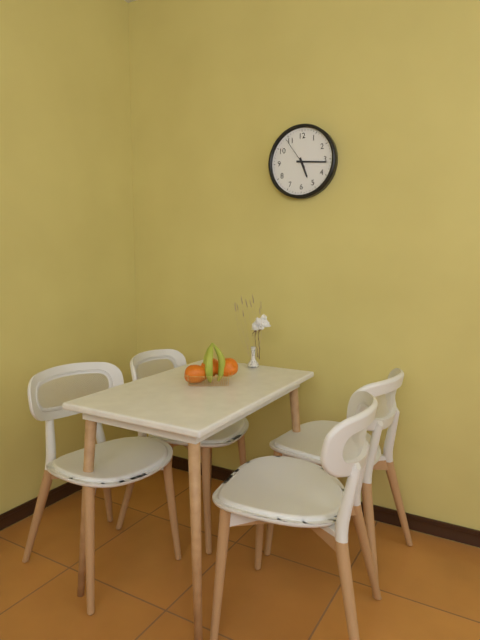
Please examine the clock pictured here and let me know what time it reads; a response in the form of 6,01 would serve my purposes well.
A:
5,16
